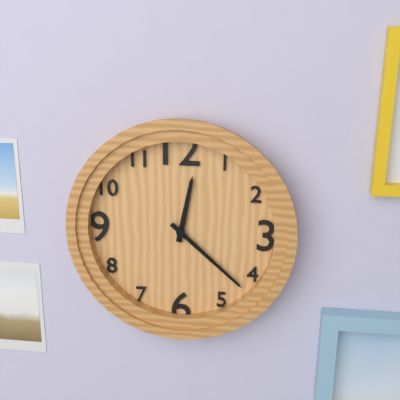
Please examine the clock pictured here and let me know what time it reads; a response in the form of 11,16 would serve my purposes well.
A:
12,22
